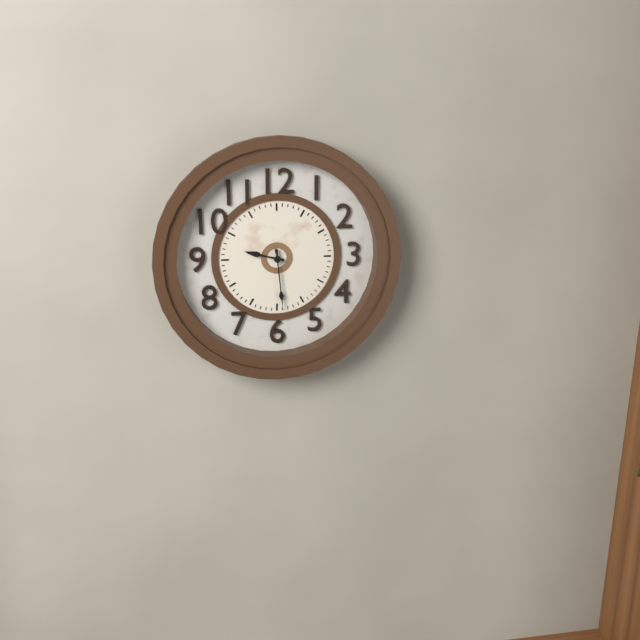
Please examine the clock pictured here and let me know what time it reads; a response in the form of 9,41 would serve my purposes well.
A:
9,29
